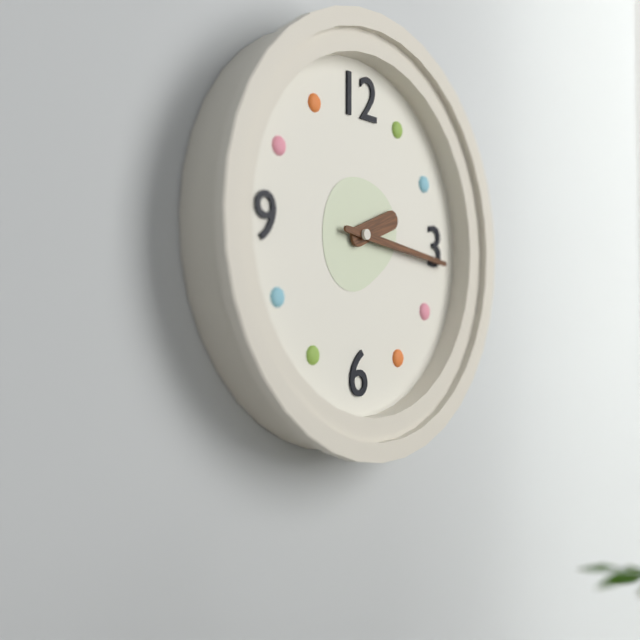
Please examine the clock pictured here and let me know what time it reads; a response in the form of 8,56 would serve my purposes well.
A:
2,16
